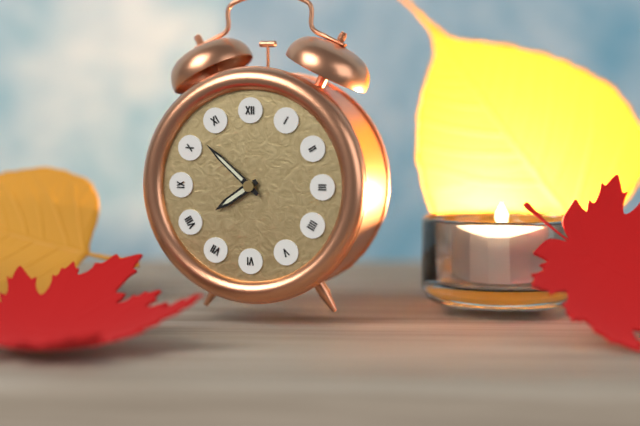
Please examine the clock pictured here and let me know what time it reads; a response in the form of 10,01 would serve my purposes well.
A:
7,52
